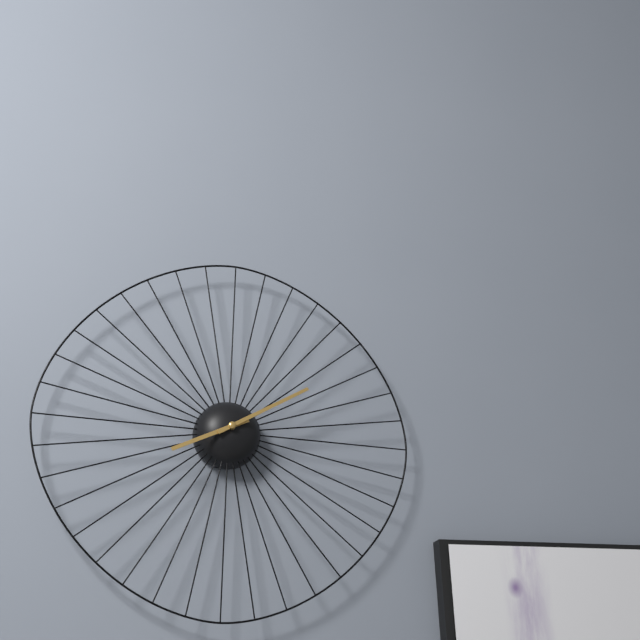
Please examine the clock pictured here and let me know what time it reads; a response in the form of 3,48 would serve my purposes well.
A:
8,10
